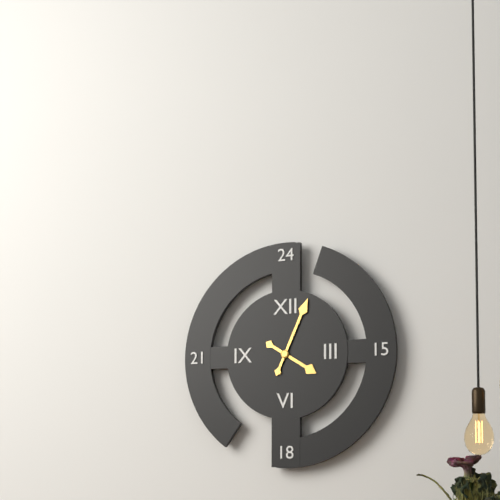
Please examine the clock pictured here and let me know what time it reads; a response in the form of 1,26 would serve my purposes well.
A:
4,04
